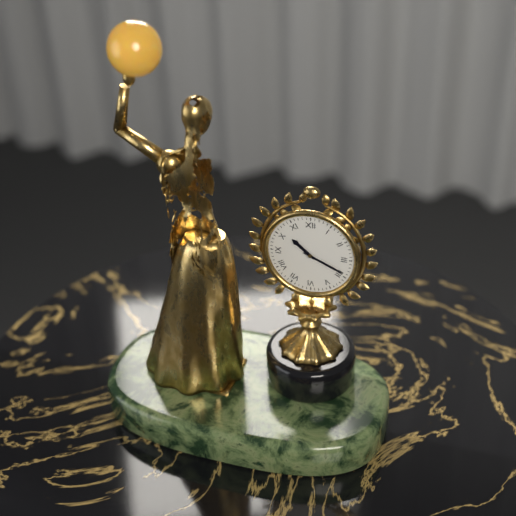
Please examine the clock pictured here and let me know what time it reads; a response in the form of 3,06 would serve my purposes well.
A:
10,19
